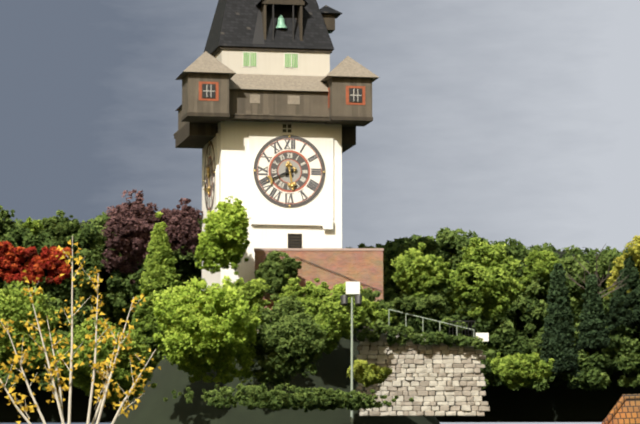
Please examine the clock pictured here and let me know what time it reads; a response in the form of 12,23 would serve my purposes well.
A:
5,41
